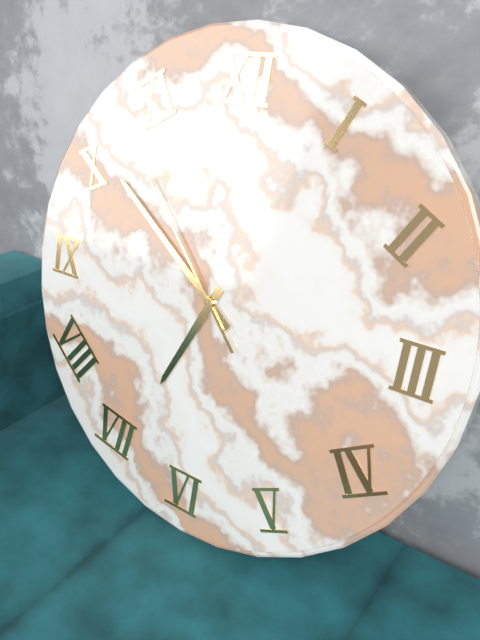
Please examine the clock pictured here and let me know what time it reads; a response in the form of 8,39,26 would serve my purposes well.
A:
6,51,53
